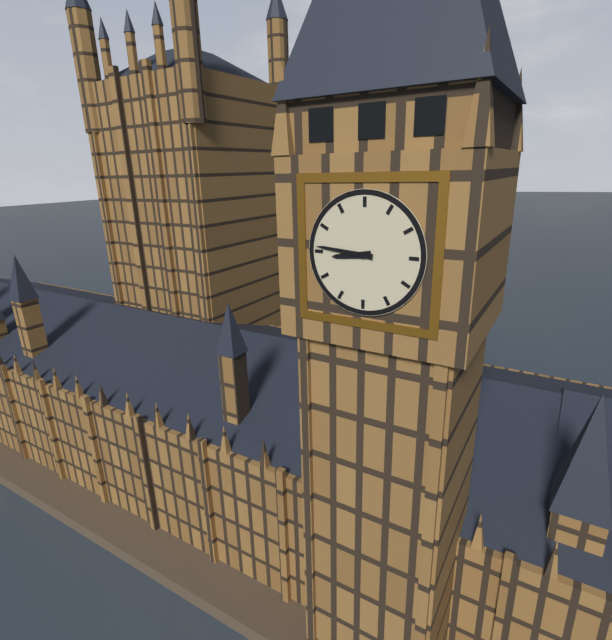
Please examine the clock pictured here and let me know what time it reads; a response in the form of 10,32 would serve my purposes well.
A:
8,46
